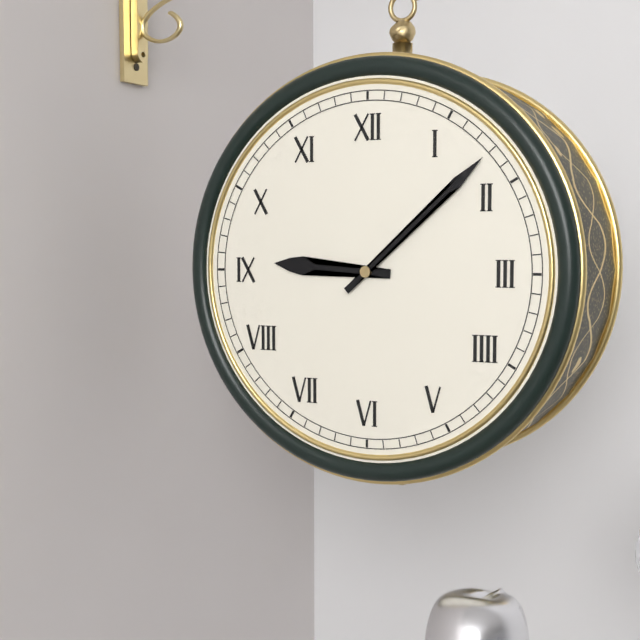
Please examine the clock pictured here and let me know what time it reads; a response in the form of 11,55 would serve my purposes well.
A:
9,08
